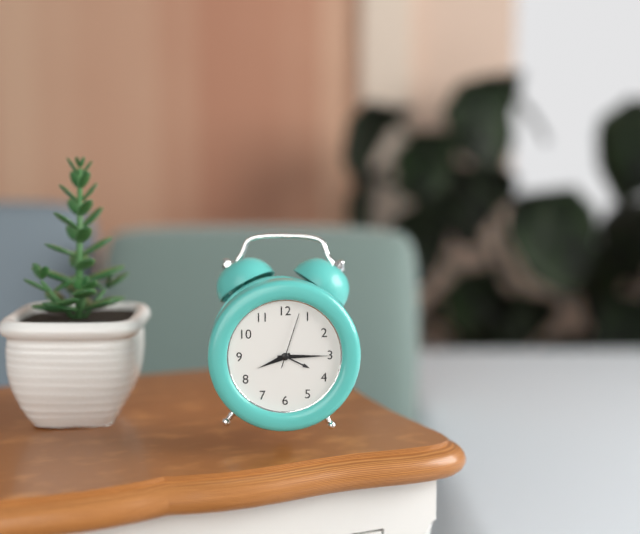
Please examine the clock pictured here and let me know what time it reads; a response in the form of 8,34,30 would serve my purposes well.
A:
8,15,03
